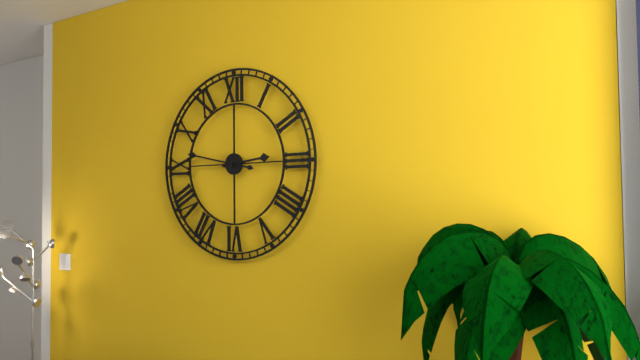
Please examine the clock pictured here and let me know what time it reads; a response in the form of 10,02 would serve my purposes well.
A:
2,47
